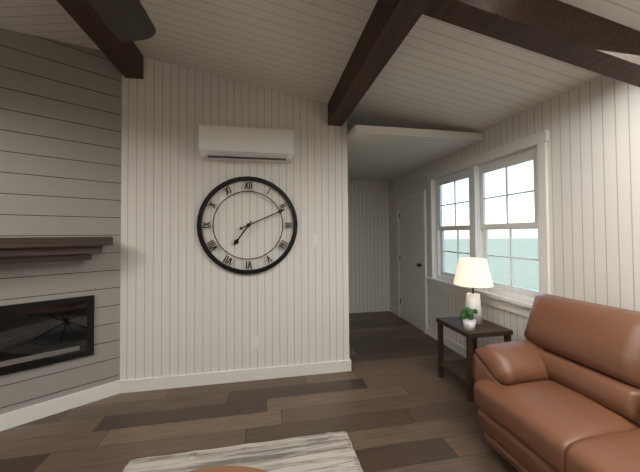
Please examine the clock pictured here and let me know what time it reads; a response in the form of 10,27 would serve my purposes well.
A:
7,11
